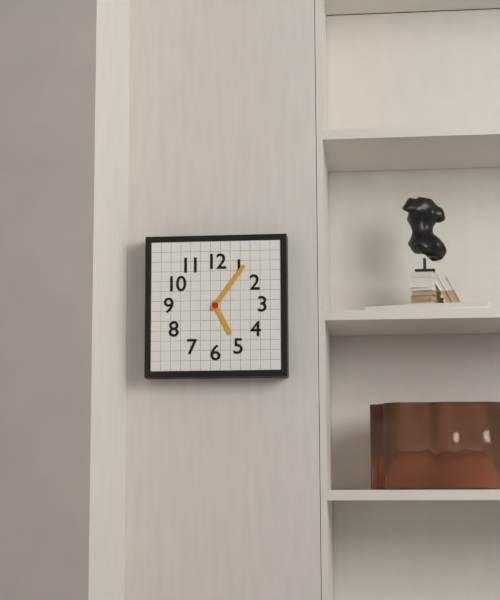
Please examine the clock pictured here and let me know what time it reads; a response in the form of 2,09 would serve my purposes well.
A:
5,06
